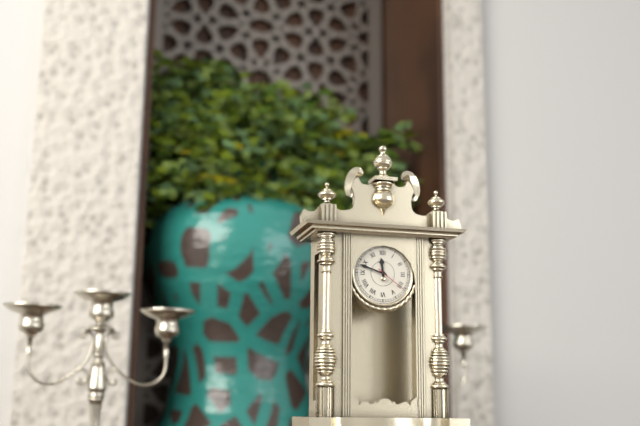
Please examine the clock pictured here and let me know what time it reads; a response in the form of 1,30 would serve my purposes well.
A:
11,48
